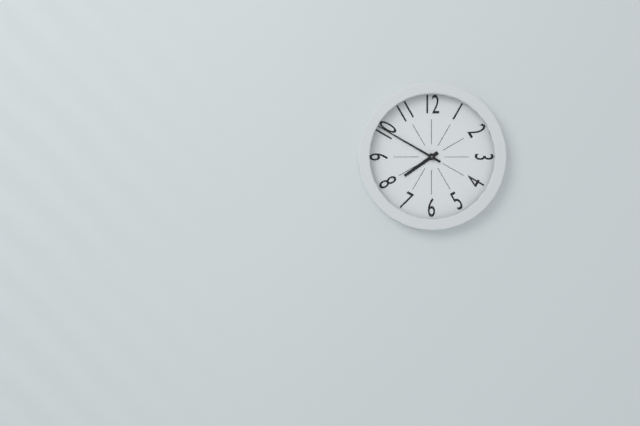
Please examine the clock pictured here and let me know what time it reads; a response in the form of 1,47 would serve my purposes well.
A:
7,50
